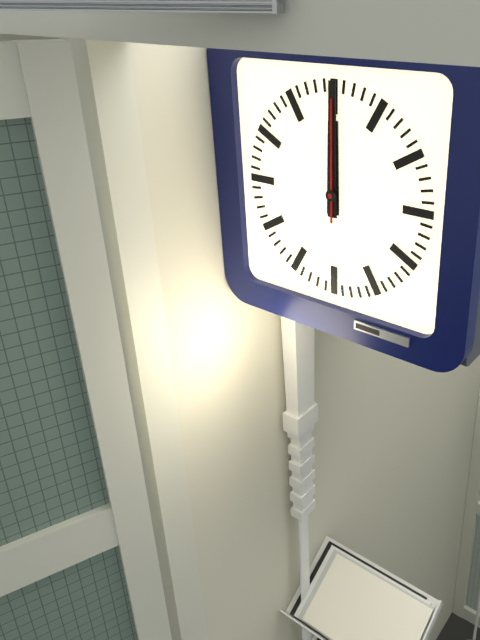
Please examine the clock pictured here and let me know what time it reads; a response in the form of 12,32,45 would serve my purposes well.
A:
12,00,00
